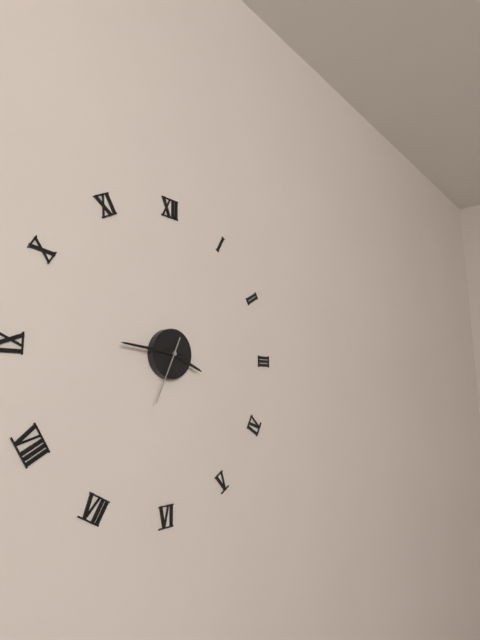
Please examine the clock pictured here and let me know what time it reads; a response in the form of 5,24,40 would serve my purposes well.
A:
3,46,34
